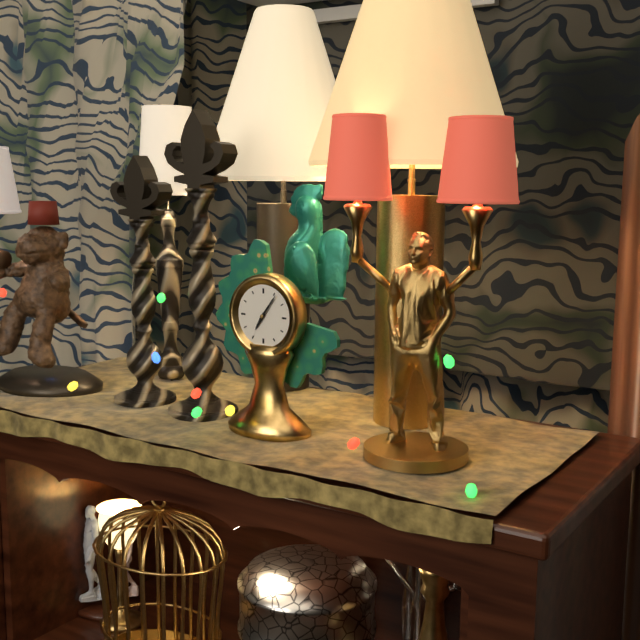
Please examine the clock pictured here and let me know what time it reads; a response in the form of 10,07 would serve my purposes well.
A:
7,06
